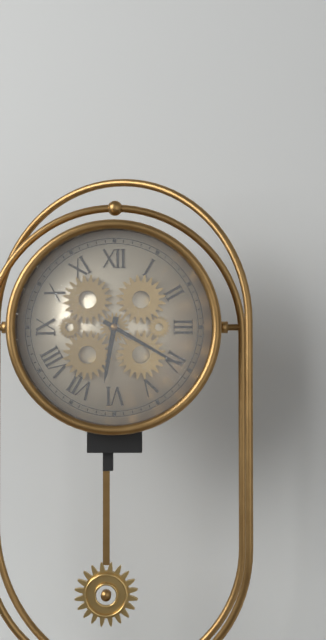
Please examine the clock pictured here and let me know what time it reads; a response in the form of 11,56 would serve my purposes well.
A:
6,20
